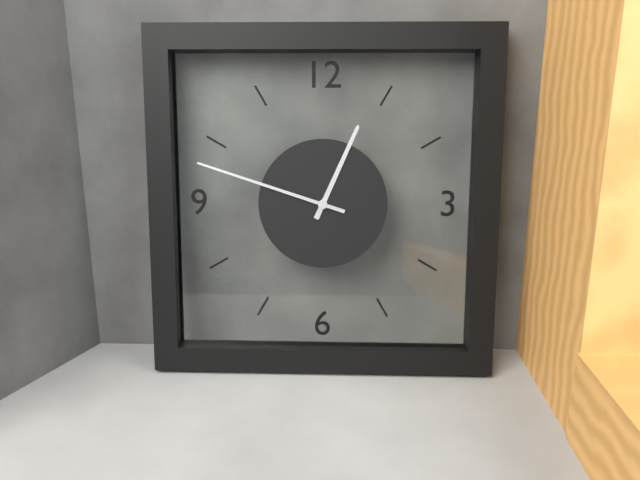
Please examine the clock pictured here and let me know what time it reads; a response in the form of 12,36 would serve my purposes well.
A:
12,48
